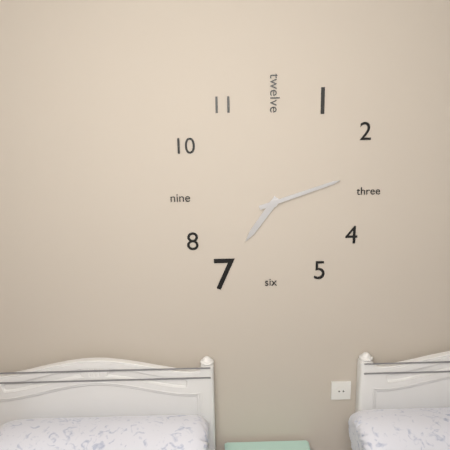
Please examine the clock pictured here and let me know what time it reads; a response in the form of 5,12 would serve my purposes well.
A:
7,12
